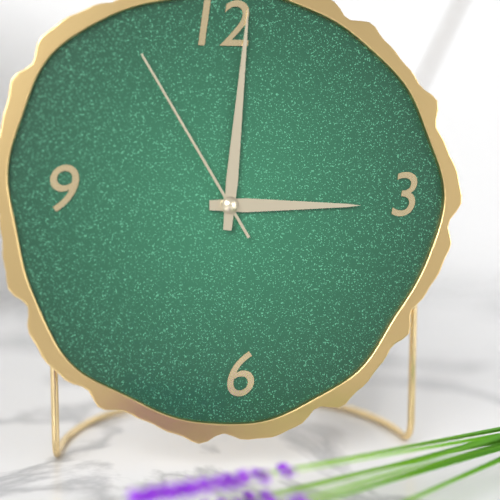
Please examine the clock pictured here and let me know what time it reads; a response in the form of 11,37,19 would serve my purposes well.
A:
3,01,55
